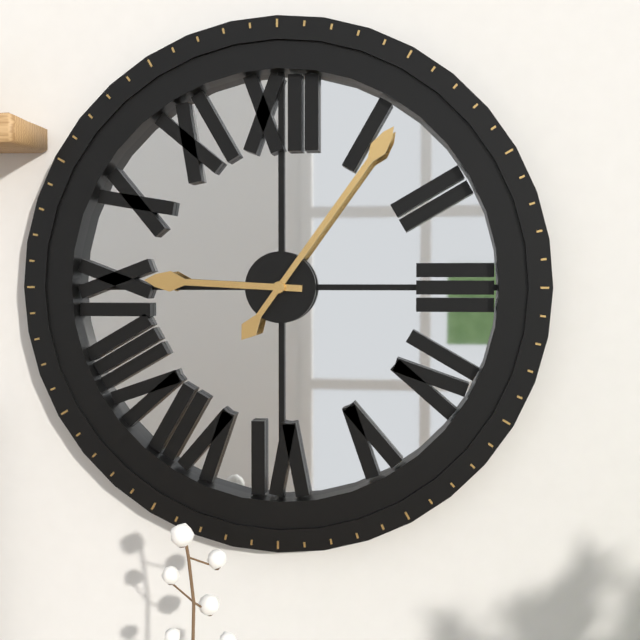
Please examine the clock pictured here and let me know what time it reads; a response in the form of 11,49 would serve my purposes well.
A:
9,06
